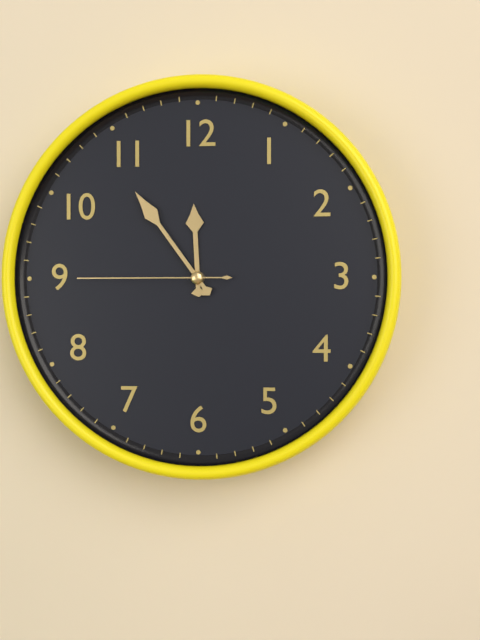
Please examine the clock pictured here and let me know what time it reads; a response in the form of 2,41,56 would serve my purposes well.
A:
11,54,45
